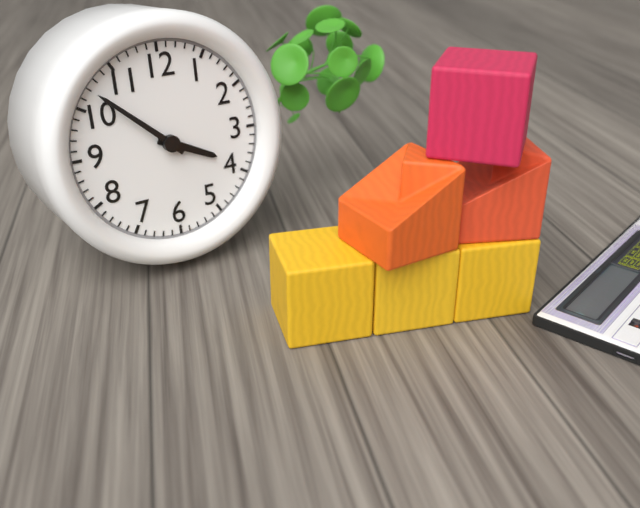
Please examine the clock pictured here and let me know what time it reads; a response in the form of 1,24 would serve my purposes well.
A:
3,52
